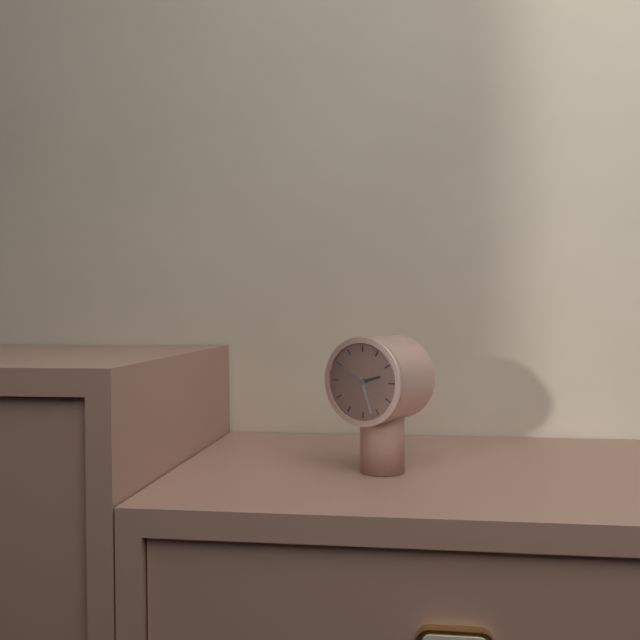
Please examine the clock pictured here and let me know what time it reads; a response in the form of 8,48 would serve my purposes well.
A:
2,27
